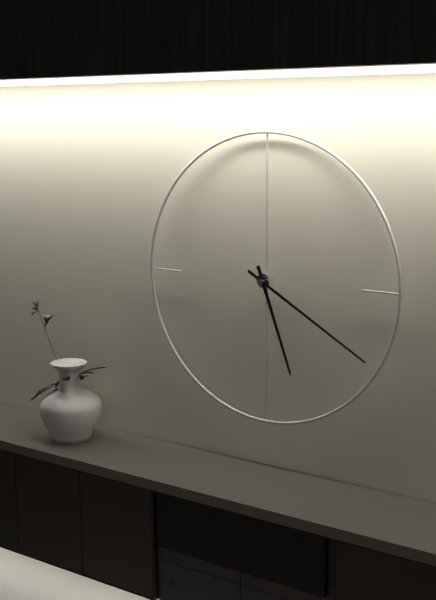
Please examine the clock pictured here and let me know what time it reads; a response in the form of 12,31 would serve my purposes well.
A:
5,20
